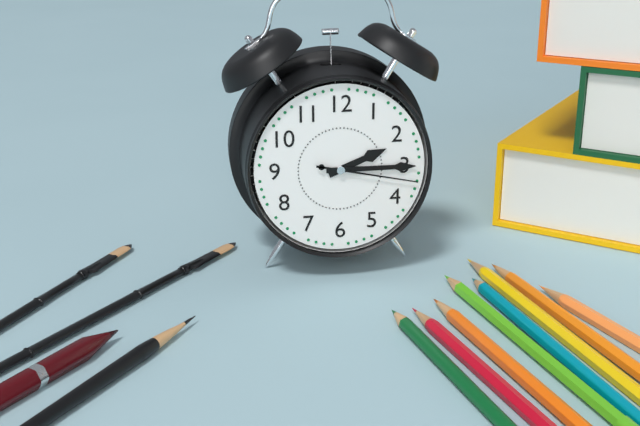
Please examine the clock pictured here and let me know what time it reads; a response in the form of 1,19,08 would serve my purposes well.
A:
2,15,17
